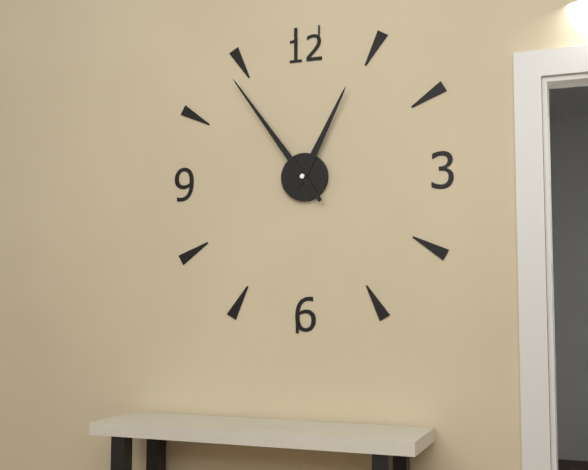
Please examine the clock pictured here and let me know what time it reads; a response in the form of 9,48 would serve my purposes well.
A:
12,54
